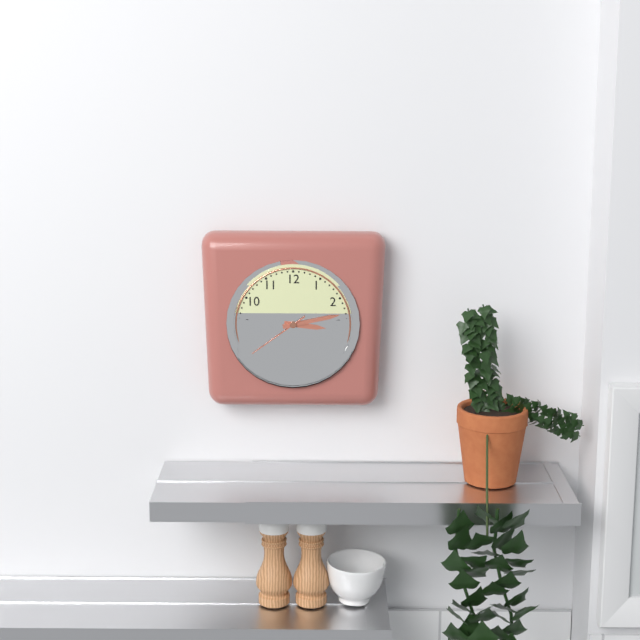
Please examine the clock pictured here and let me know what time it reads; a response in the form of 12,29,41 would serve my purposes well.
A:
3,13,39
